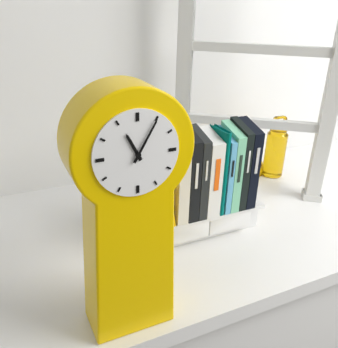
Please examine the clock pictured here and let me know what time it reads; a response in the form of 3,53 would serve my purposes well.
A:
11,05
